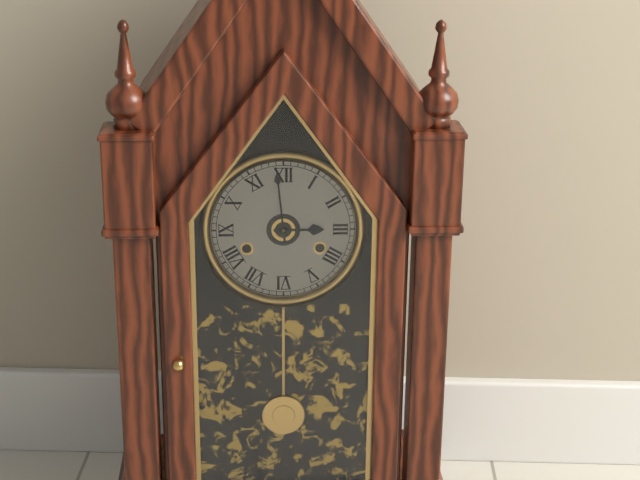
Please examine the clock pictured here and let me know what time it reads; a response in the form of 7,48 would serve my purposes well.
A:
2,59
